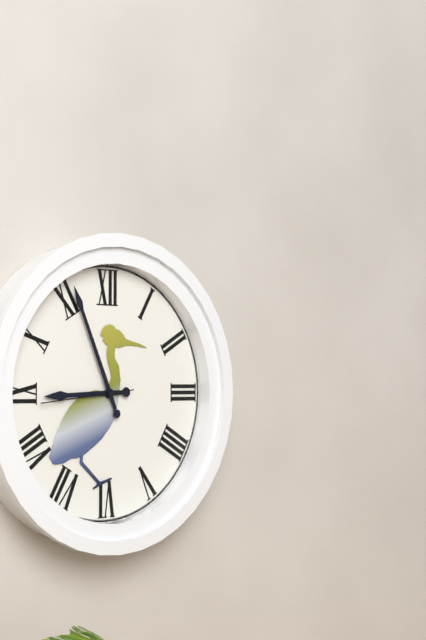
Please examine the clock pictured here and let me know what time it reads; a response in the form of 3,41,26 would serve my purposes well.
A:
8,56,44
